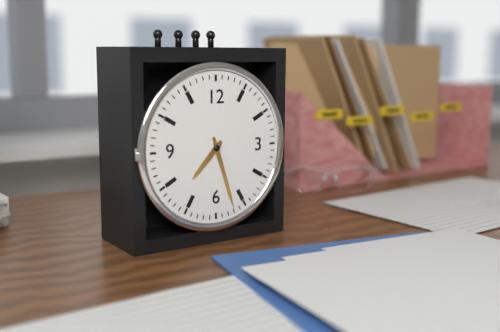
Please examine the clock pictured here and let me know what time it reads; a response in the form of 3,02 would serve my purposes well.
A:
7,27
